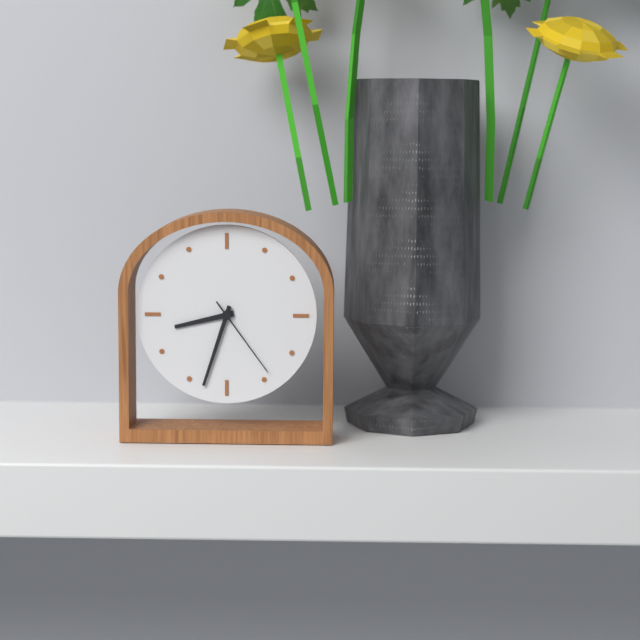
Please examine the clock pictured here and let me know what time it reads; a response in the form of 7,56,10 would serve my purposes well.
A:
8,33,24
